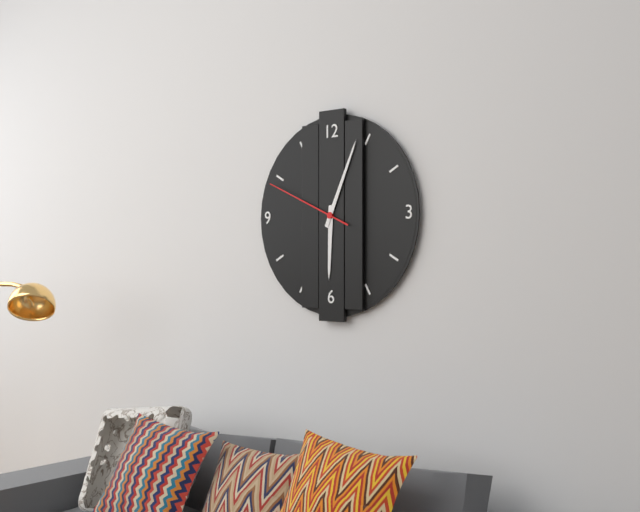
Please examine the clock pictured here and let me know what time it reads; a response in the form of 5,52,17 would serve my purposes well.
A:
6,04,49
